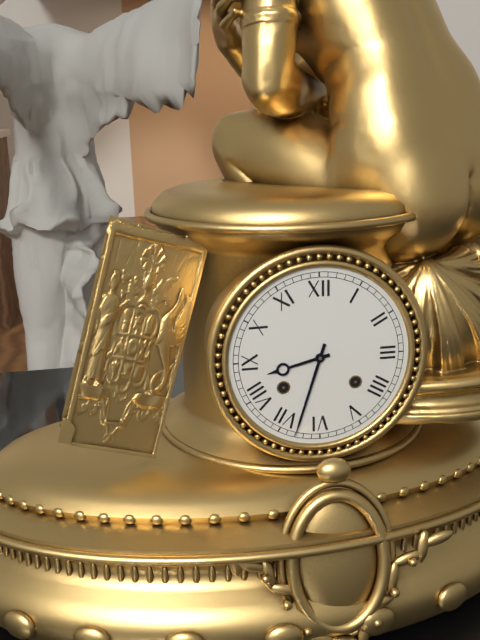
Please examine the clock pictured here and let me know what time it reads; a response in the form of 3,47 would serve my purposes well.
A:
8,33
